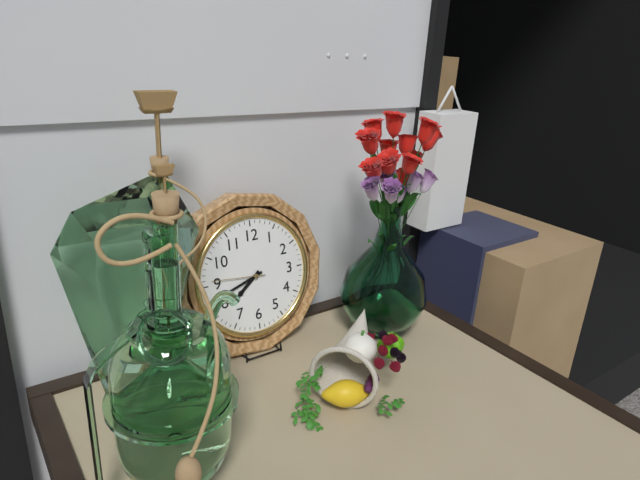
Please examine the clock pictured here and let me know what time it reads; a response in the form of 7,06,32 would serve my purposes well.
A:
7,42,46
